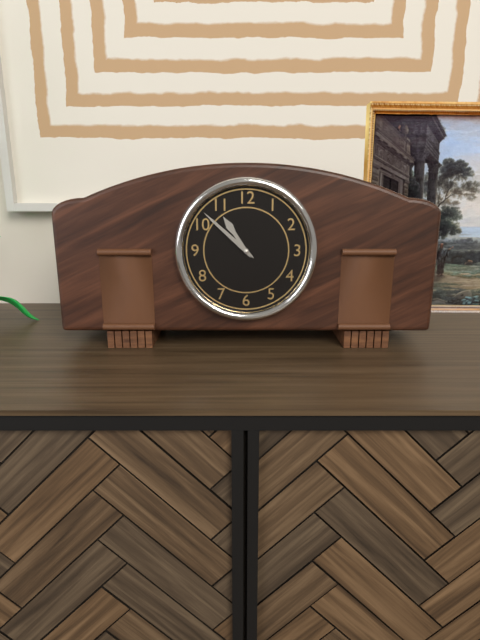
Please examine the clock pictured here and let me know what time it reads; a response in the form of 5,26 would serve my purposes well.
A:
10,52
